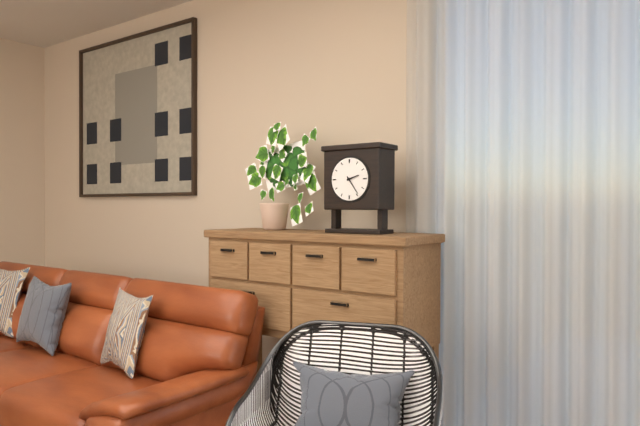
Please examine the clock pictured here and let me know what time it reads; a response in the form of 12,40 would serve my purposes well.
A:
2,24
